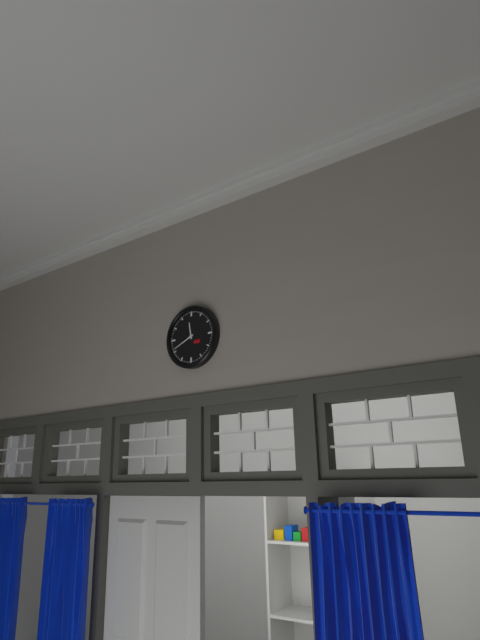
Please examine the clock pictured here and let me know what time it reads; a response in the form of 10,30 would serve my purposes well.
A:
11,41
